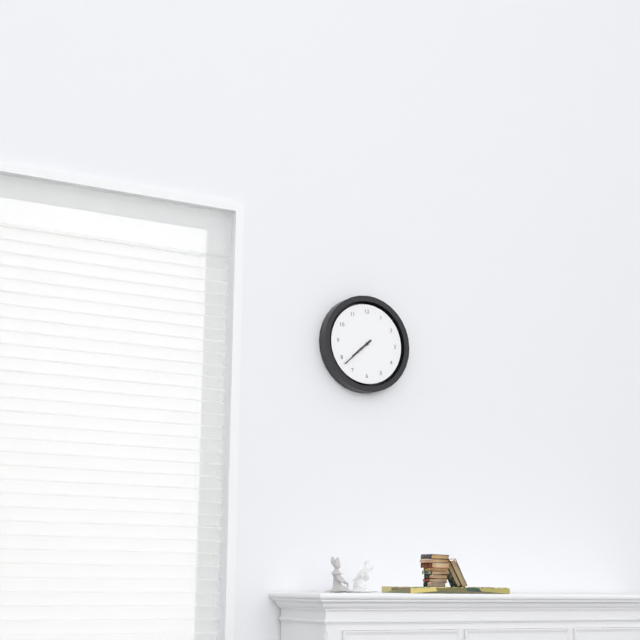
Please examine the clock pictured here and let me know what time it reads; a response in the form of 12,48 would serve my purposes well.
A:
7,38
